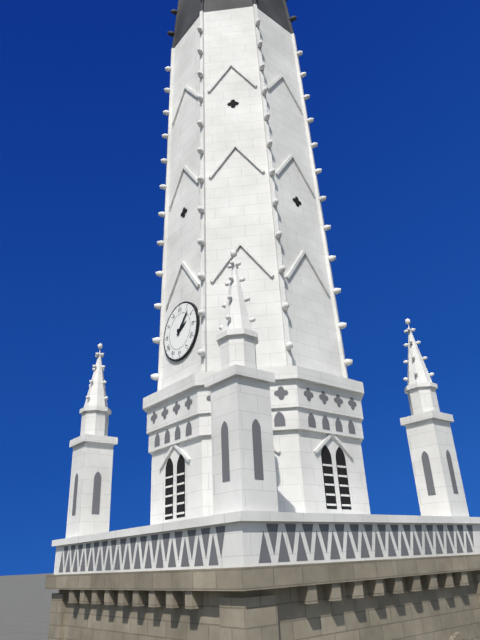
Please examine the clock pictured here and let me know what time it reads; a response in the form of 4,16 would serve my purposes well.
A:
2,07
